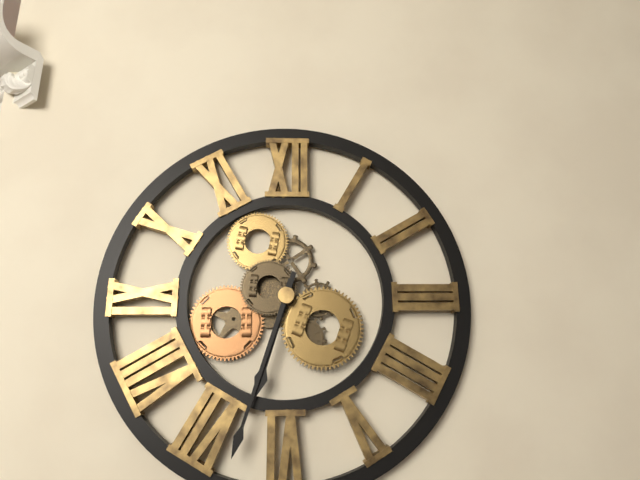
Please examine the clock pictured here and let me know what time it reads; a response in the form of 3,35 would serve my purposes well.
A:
6,33
